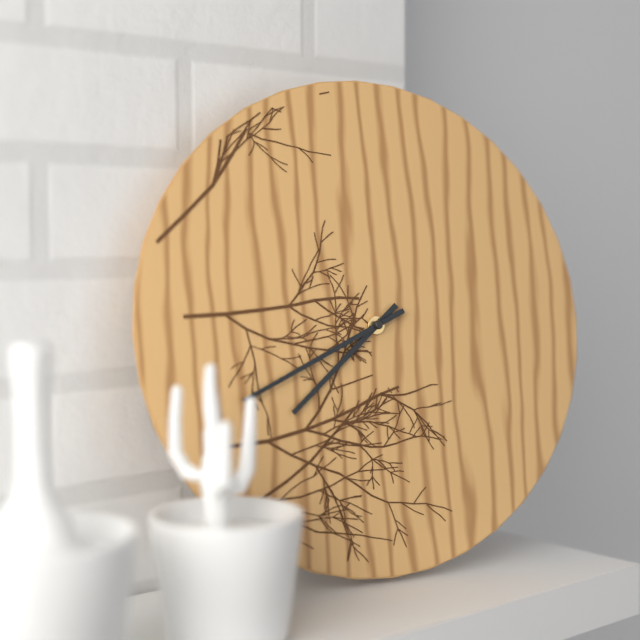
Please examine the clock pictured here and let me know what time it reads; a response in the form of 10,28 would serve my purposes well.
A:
7,41
